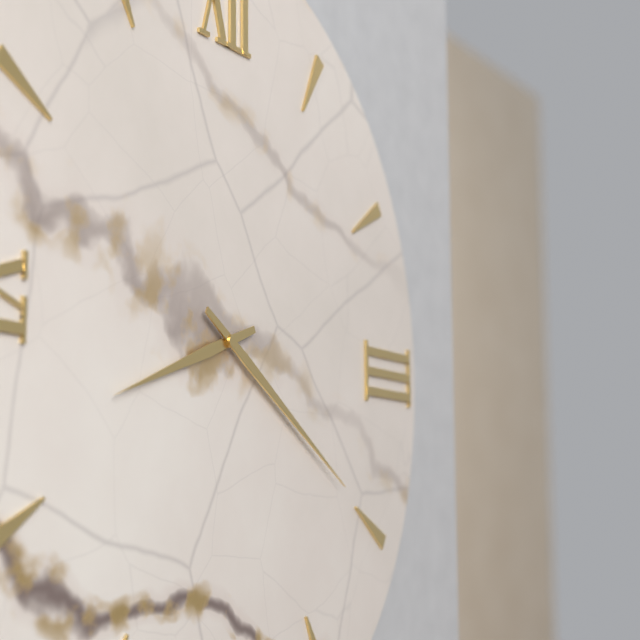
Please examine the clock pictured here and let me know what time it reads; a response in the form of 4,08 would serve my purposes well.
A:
8,20
